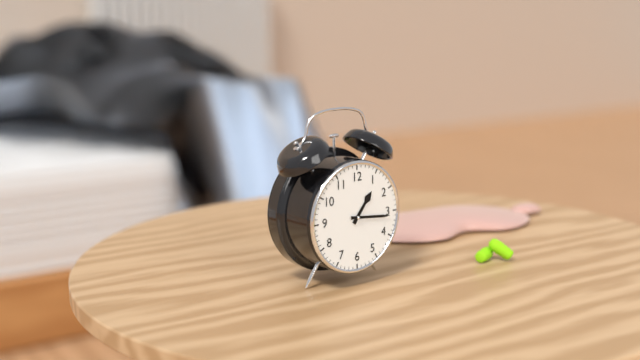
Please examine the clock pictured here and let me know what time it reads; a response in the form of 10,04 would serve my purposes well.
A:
1,16
